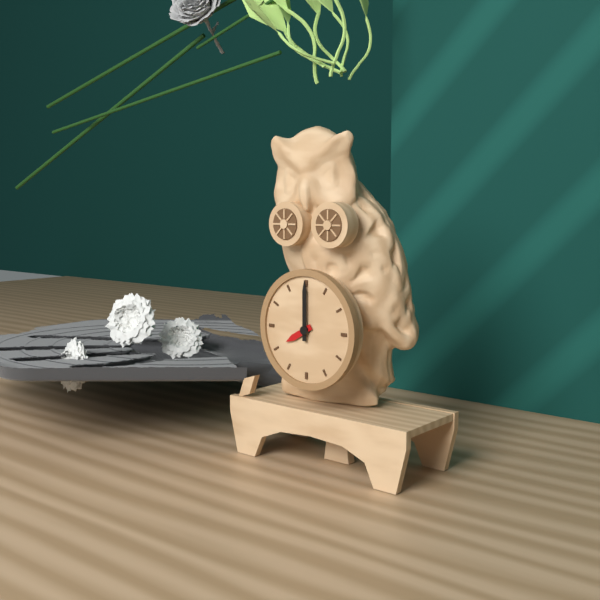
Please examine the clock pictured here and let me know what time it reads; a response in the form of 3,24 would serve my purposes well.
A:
8,00
